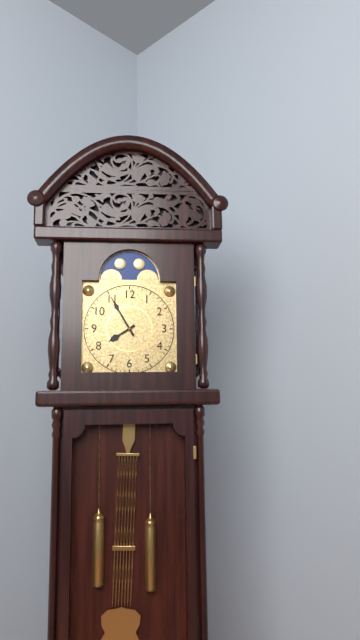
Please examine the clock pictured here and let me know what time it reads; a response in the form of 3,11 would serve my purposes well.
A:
7,55
